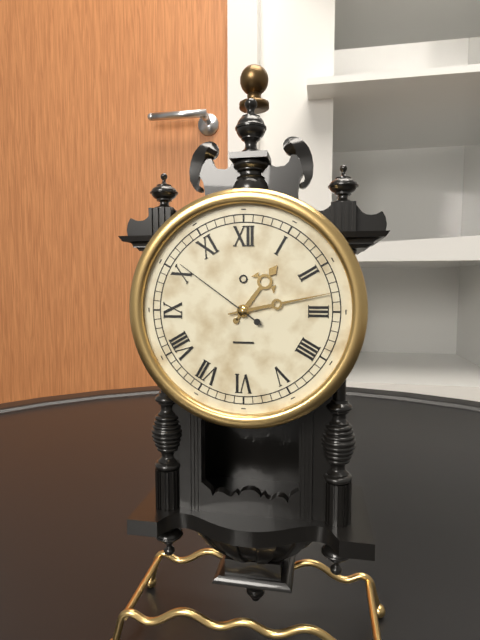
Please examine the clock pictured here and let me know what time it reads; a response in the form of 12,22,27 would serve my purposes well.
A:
1,13,51
